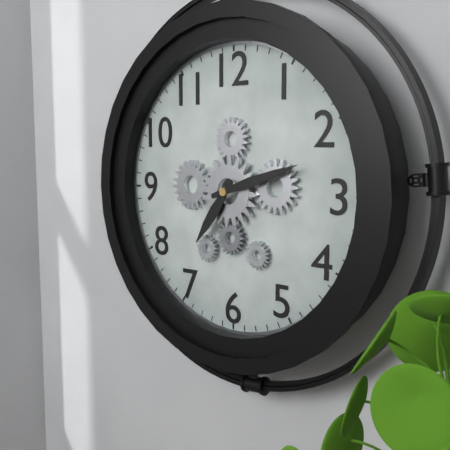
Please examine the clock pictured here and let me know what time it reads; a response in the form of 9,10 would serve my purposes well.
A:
7,12
